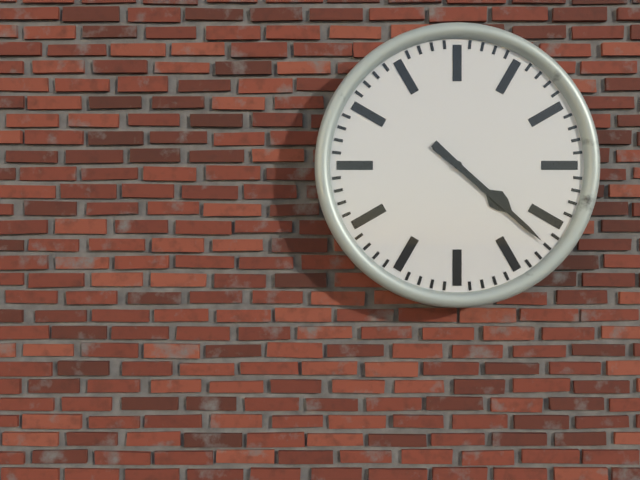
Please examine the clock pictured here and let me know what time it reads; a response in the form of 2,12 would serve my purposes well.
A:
4,22
